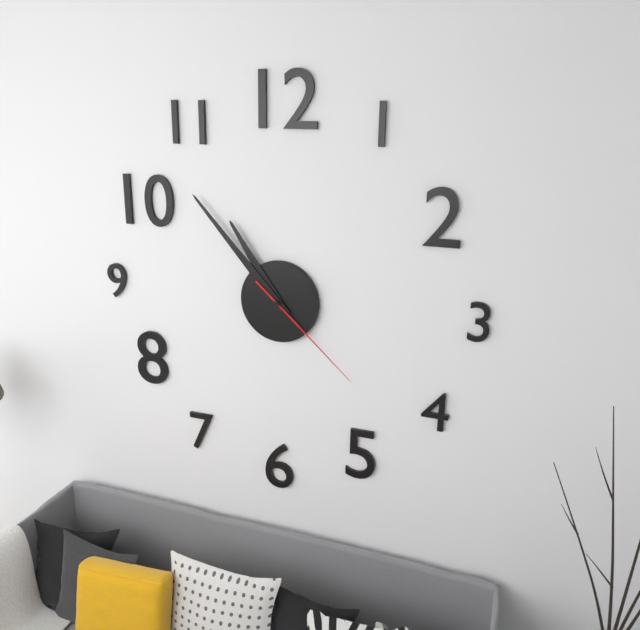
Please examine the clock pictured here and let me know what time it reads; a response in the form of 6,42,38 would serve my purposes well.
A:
10,53,22
